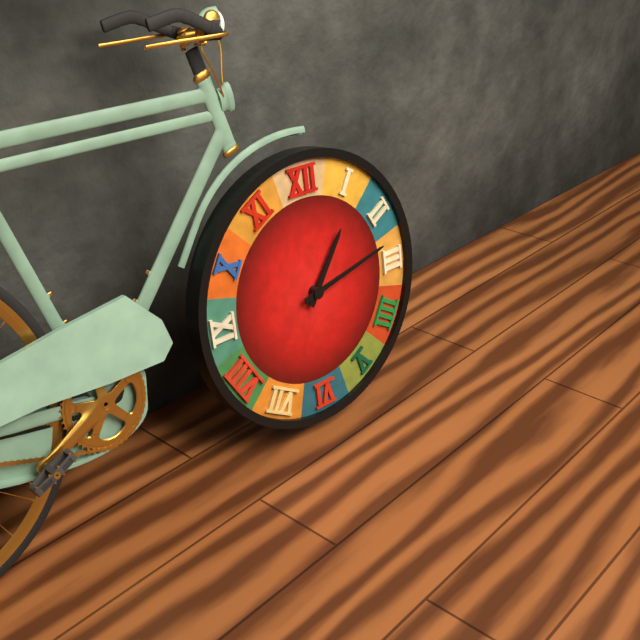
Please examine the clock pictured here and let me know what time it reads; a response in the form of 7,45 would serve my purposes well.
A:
1,13
